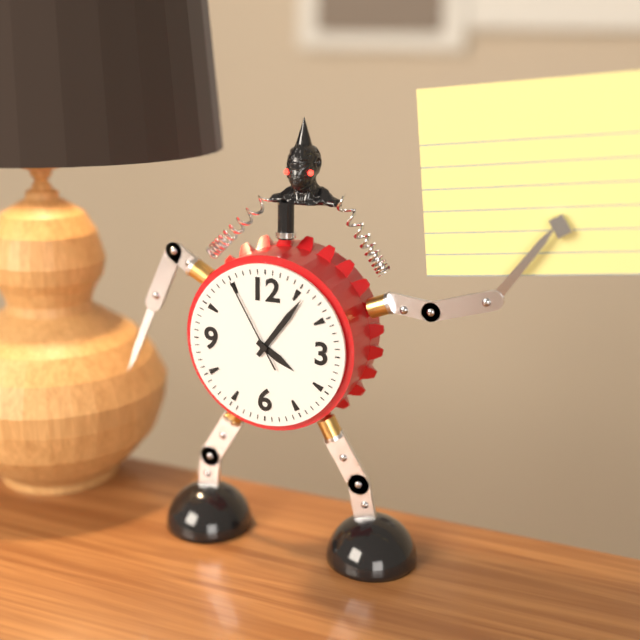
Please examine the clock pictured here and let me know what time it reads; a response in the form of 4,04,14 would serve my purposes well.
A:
4,06,55
